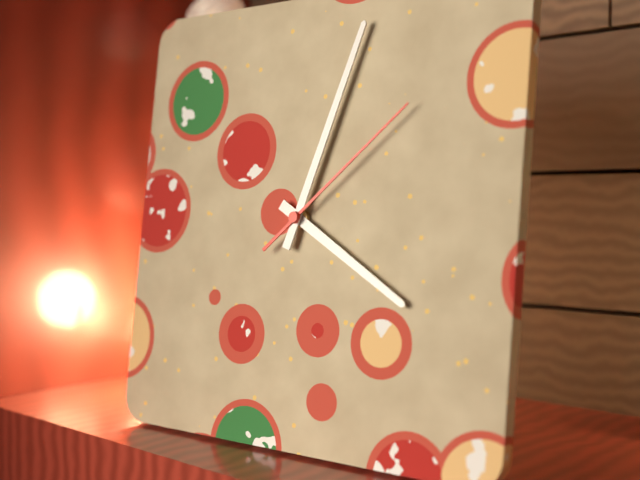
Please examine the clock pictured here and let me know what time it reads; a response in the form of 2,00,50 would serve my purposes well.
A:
4,03,08
